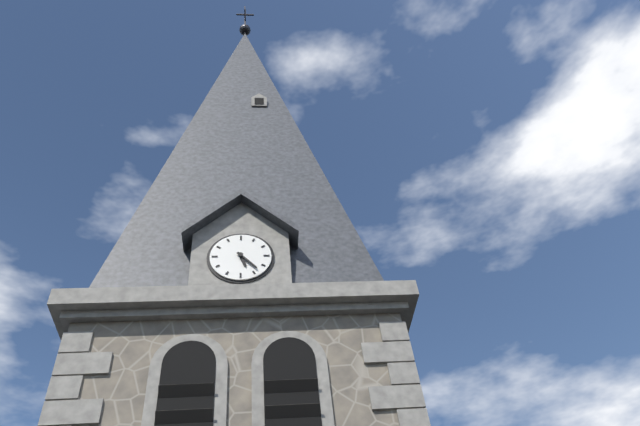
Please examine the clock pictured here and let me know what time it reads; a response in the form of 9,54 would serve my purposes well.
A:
5,23
